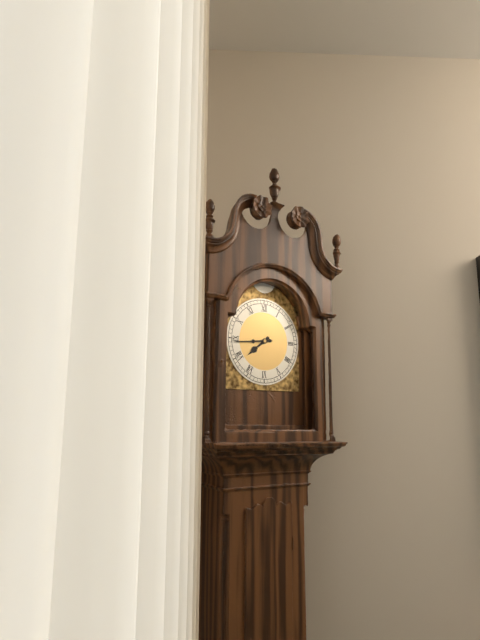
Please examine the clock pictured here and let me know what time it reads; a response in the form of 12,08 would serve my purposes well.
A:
7,44
